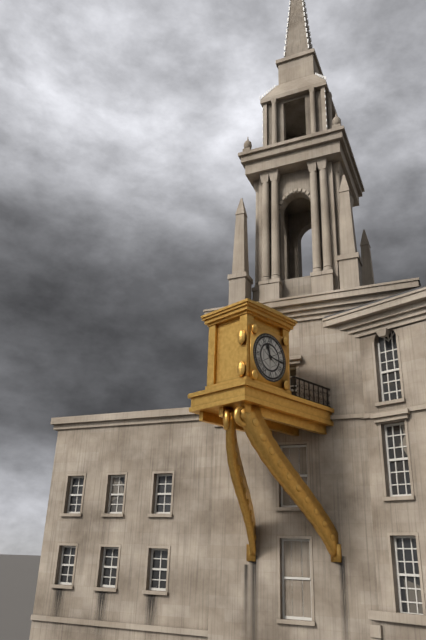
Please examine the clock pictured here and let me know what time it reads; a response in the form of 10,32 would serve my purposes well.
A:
11,16
